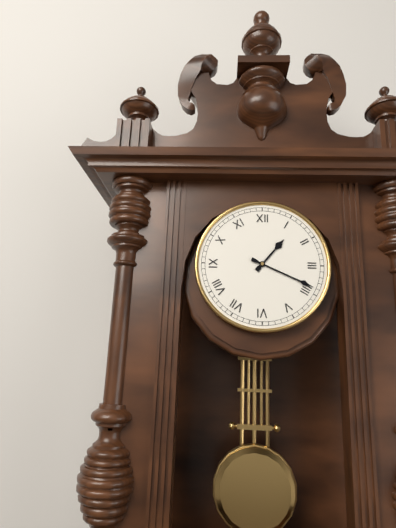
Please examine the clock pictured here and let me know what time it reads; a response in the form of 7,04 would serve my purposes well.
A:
1,19
